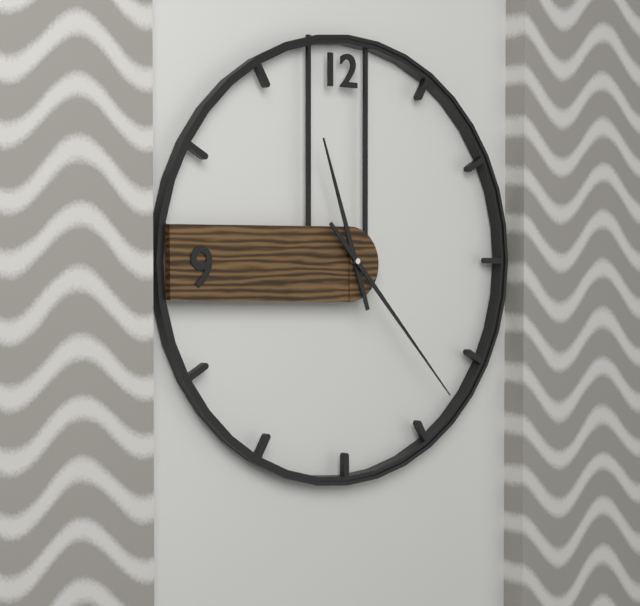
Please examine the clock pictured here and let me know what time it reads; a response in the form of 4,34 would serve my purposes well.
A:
11,23
